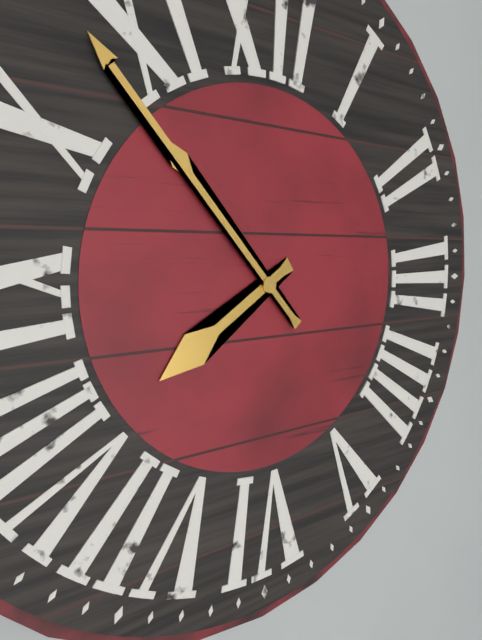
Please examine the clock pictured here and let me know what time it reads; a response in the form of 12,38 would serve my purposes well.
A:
7,53
